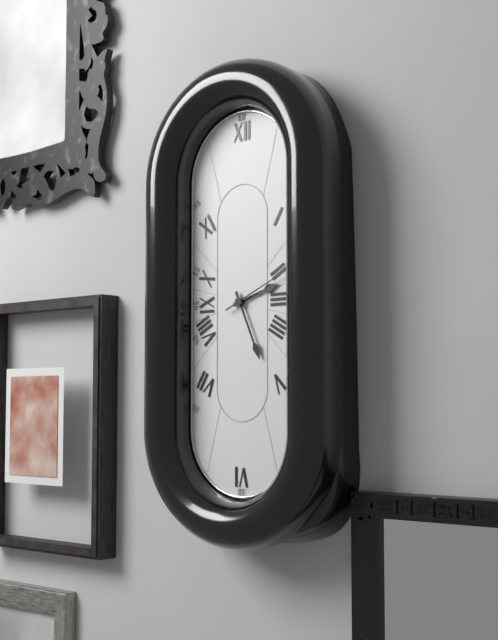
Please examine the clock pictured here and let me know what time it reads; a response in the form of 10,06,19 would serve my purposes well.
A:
2,26,11
